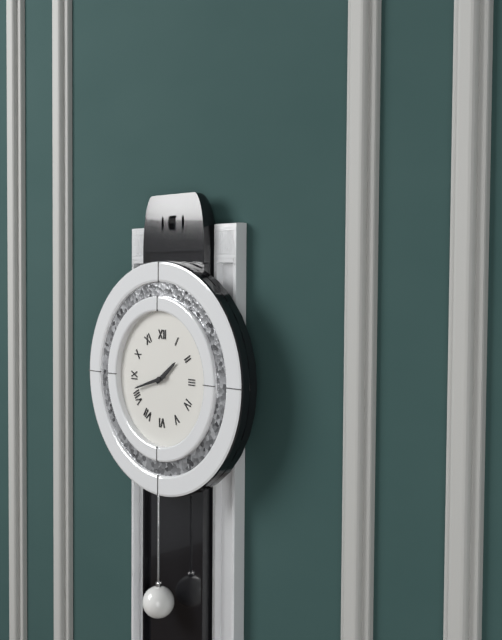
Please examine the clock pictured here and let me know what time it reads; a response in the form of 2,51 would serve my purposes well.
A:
1,42
